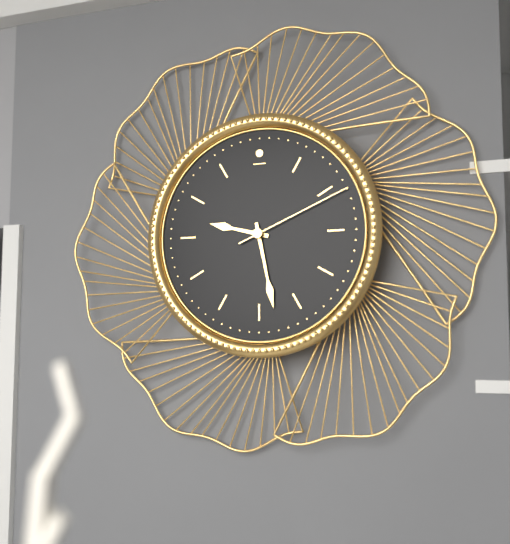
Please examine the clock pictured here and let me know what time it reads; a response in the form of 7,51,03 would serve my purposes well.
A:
9,28,11
